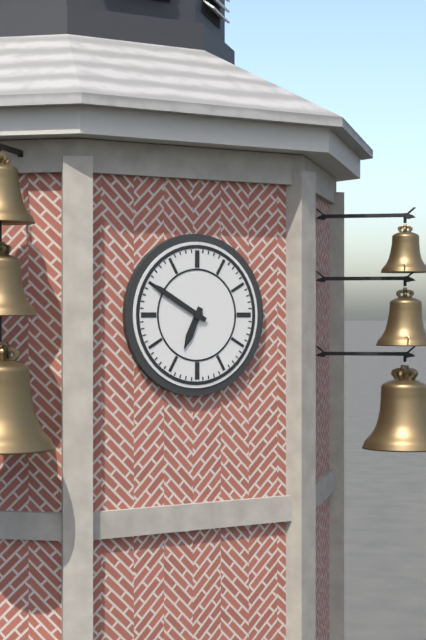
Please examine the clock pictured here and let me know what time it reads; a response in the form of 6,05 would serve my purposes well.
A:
6,50
